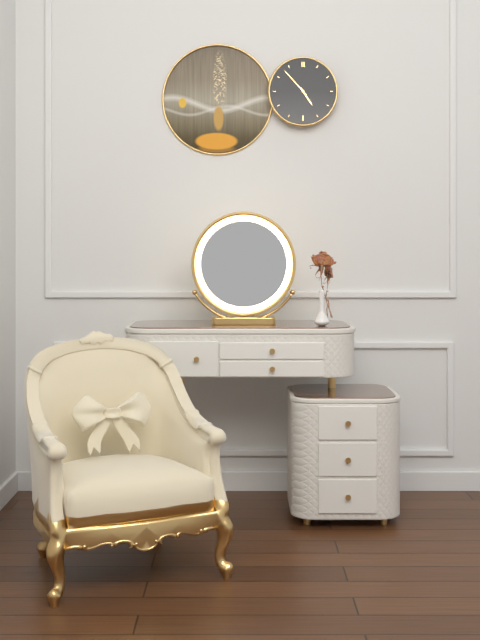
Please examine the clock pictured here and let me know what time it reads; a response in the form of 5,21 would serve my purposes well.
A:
4,53
